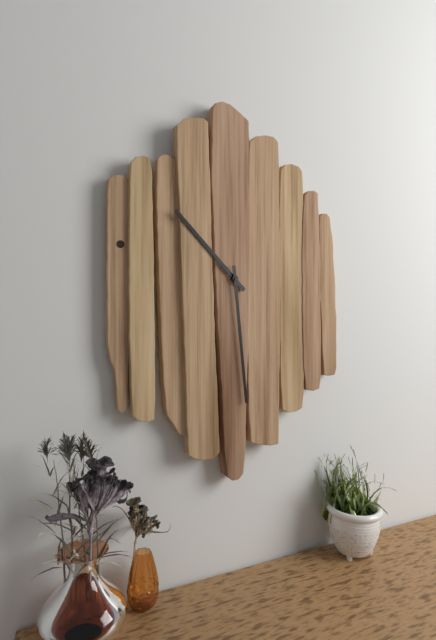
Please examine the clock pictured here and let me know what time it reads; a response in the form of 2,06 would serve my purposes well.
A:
10,29
